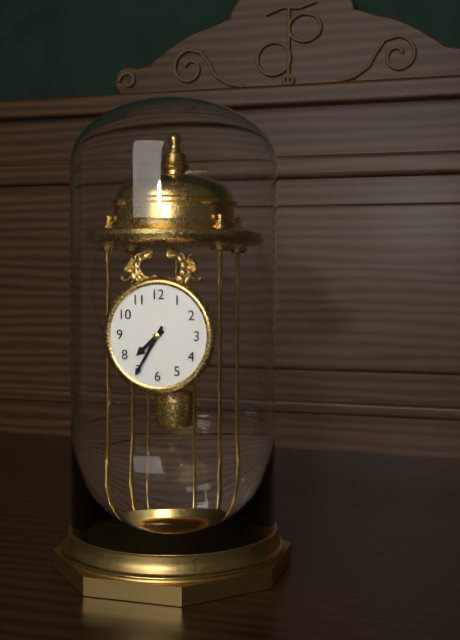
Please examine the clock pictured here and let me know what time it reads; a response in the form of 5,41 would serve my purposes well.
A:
7,35
